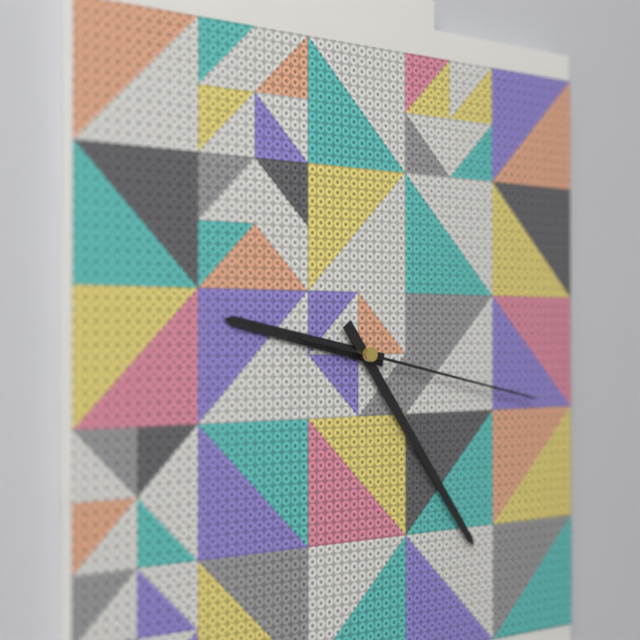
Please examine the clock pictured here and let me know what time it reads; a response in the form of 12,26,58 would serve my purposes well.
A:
9,24,17
